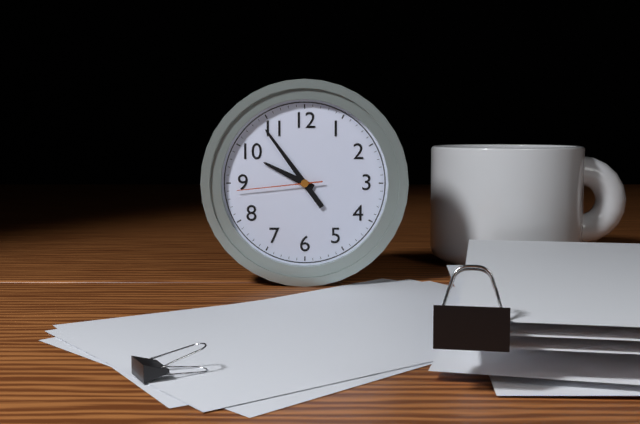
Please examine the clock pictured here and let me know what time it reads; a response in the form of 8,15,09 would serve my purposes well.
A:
9,54,44
